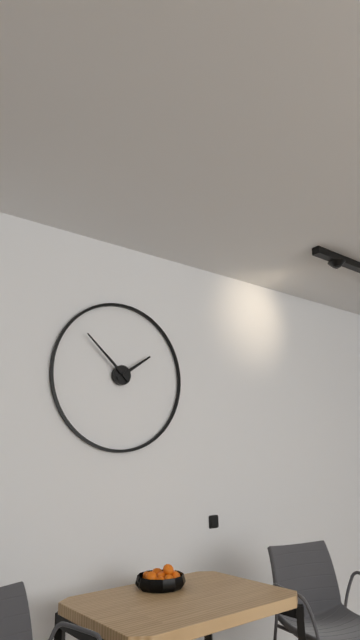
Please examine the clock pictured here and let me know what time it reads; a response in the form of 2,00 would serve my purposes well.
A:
1,52
